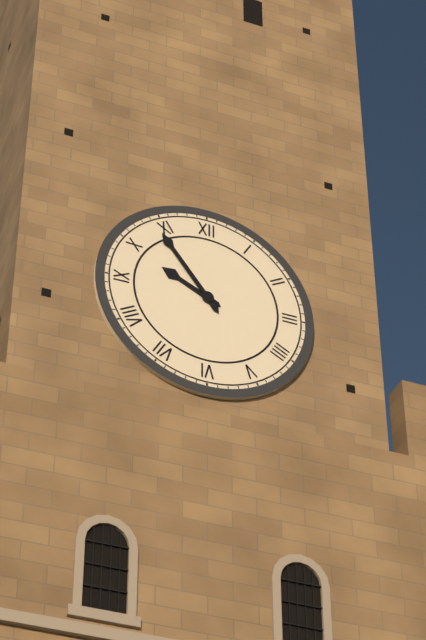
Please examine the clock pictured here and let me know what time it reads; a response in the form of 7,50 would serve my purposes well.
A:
9,54
